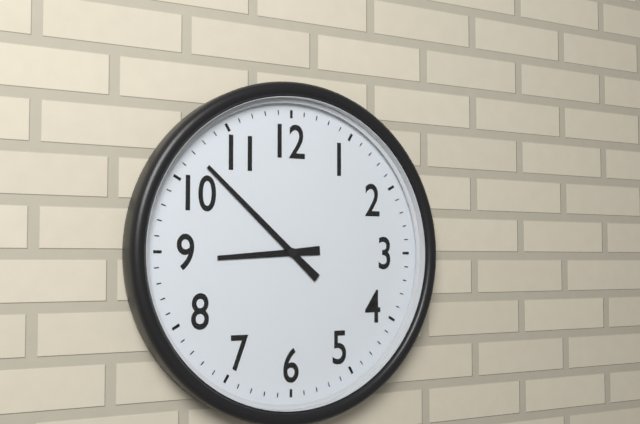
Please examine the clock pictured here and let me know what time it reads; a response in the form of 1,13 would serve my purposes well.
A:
8,52
